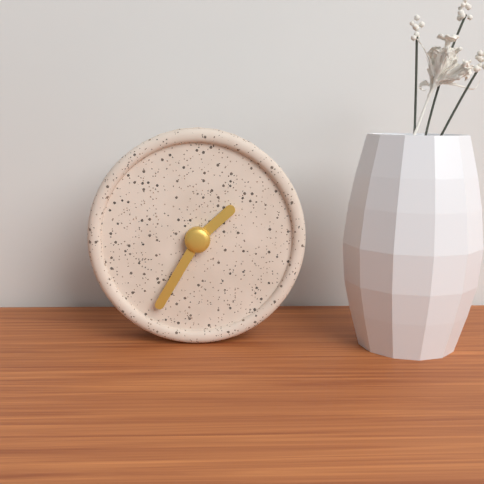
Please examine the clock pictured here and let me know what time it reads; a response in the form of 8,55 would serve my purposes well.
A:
1,35
